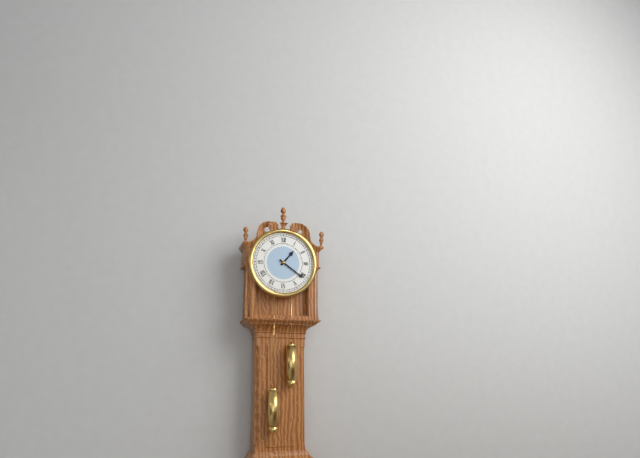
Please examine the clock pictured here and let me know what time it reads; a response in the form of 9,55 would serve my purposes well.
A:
1,21
